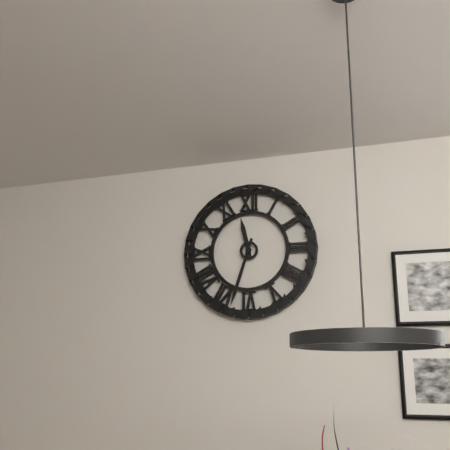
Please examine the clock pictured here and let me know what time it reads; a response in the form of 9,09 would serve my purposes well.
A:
11,33
